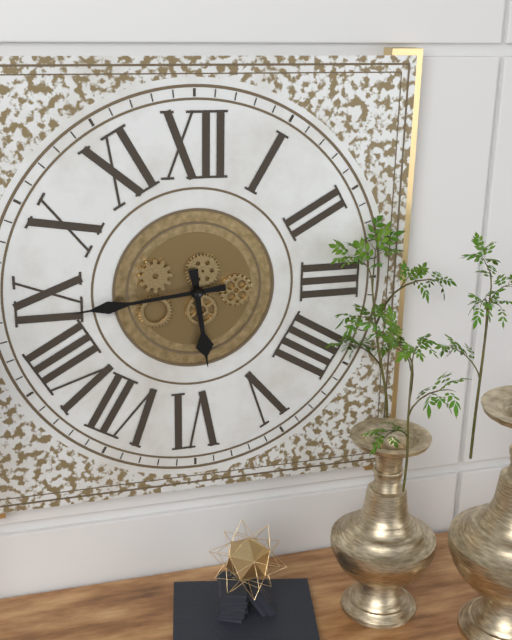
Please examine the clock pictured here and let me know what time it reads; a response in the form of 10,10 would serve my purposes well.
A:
5,44
